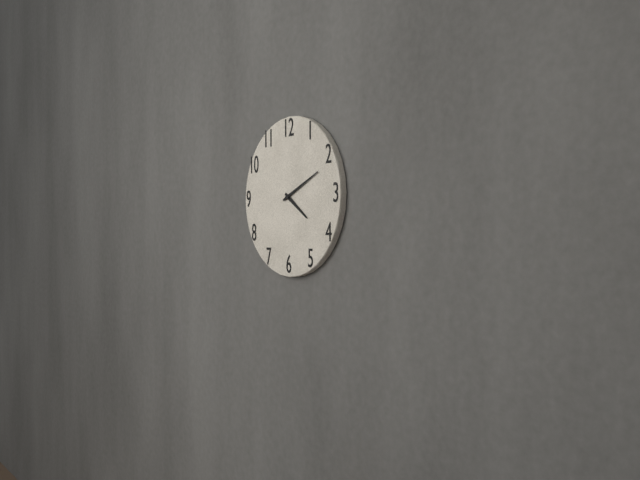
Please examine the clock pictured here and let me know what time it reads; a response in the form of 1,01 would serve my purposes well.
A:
4,11
